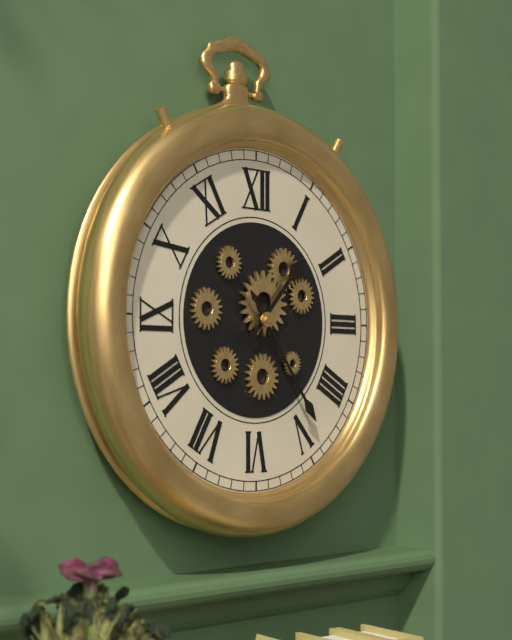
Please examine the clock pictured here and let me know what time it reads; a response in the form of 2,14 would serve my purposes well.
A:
1,24
